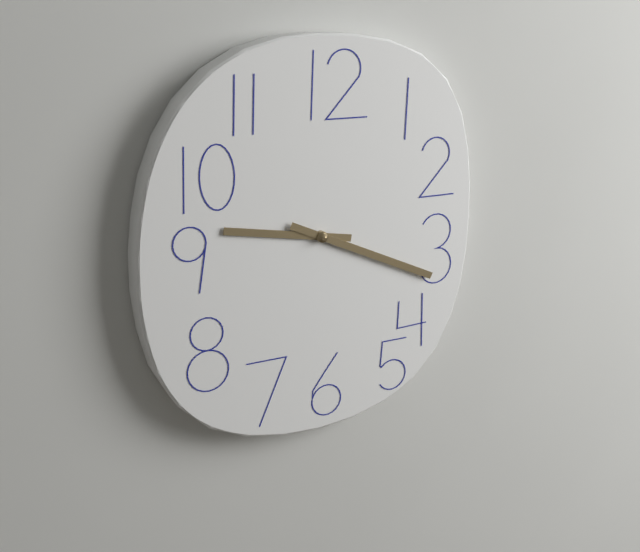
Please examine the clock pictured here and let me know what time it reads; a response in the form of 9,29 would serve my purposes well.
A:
9,19
